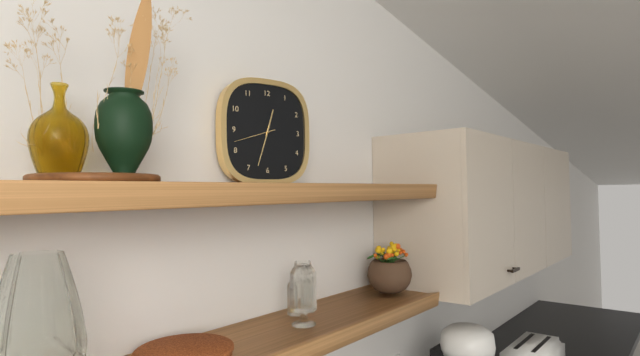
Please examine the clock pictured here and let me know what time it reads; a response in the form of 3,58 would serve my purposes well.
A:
12,33
